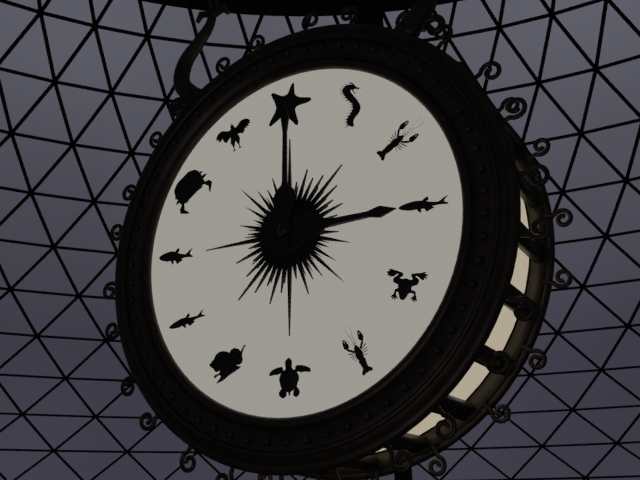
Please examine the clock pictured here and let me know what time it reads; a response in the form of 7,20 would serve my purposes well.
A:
3,00
